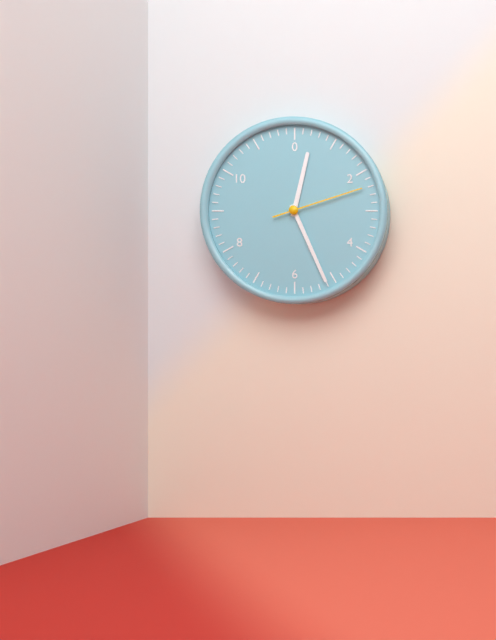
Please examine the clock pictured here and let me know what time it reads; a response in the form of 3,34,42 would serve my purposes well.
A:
12,26,12
